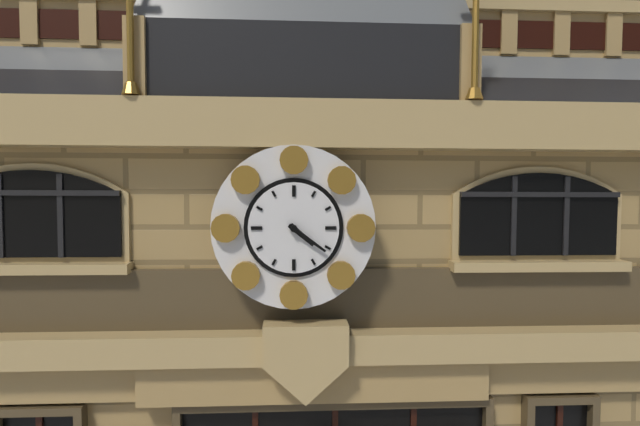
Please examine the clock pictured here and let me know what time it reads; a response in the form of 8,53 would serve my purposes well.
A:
4,21
